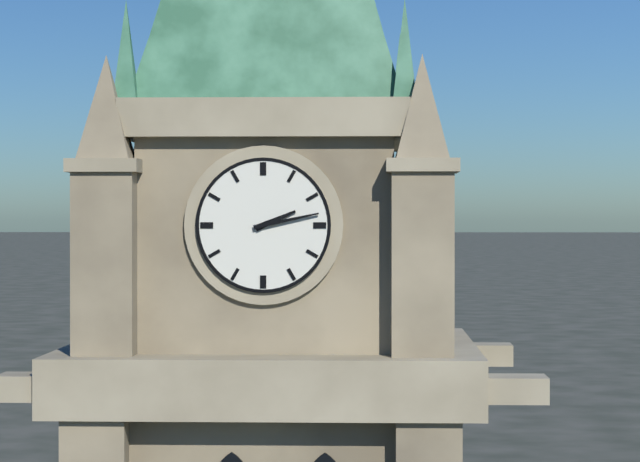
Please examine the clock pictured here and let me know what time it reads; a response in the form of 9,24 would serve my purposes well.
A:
2,13
